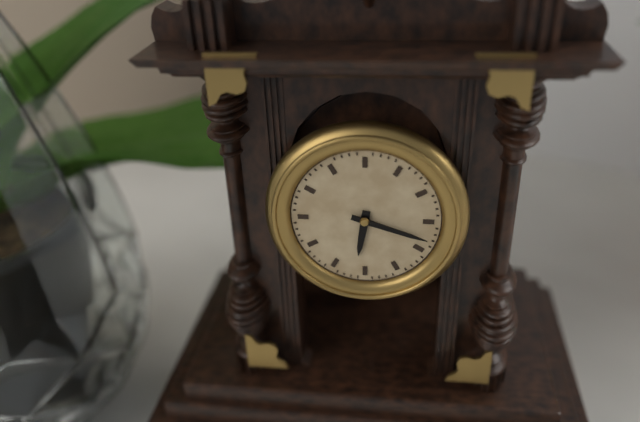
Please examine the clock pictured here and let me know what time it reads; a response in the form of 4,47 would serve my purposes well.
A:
6,18
